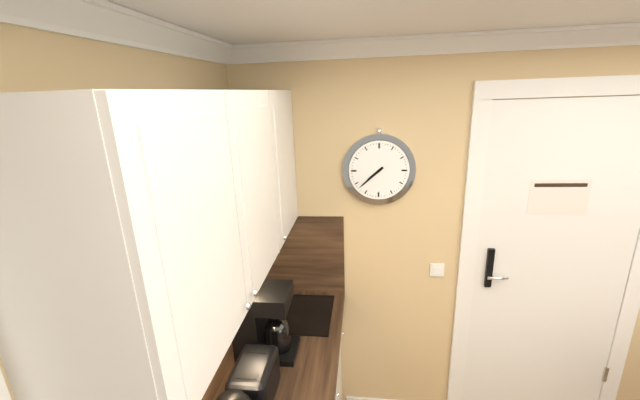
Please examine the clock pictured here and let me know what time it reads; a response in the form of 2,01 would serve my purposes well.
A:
7,38
